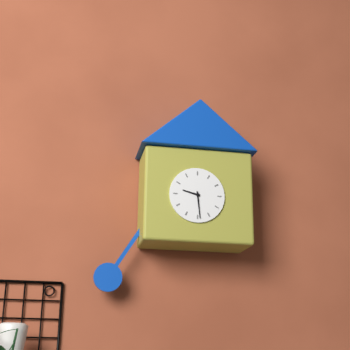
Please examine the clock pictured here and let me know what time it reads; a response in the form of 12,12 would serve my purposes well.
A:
9,29
